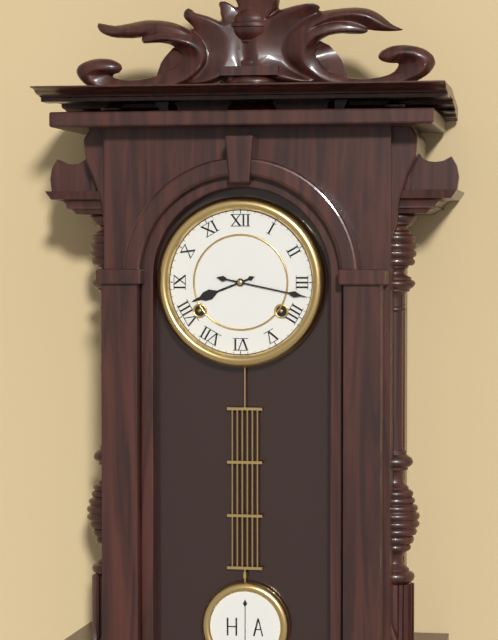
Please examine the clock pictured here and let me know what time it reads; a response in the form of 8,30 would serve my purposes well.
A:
8,17
